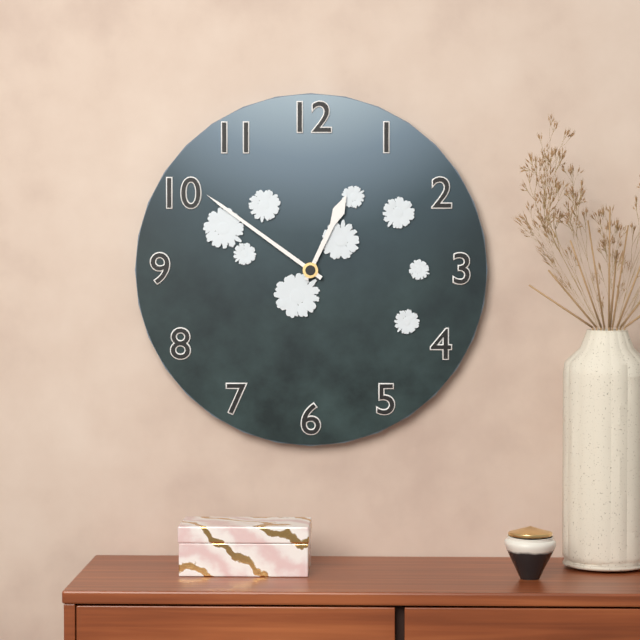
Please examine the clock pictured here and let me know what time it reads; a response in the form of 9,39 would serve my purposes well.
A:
12,51
